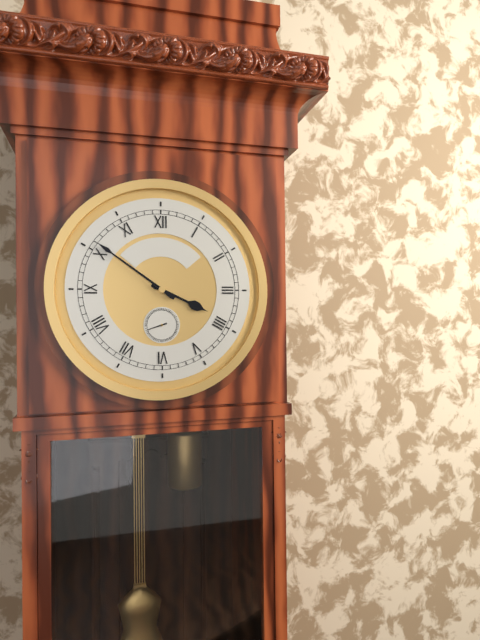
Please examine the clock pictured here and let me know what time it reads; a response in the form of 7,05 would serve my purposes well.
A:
3,51
